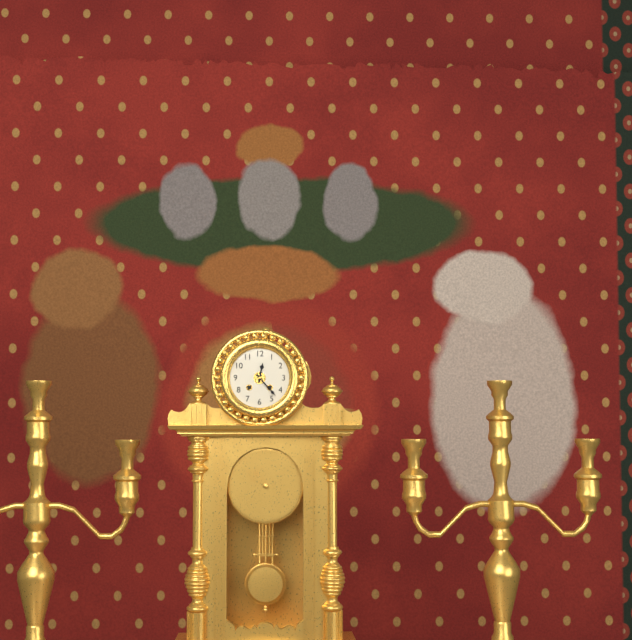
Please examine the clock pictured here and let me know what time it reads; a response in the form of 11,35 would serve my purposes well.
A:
12,23
